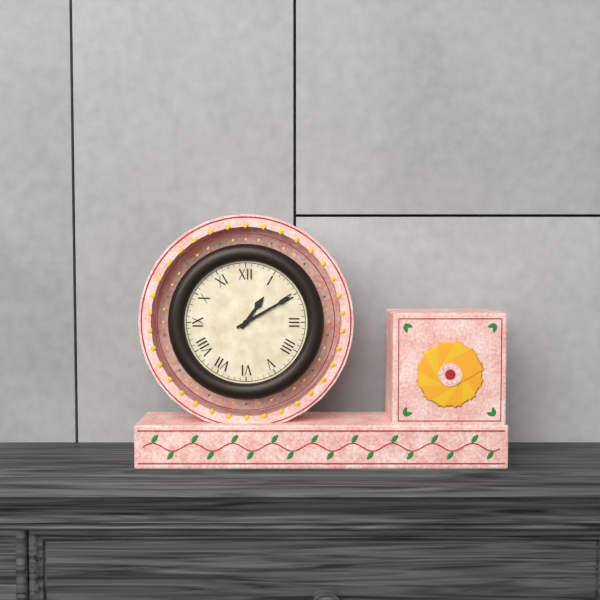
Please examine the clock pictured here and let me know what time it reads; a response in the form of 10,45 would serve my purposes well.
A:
1,10
